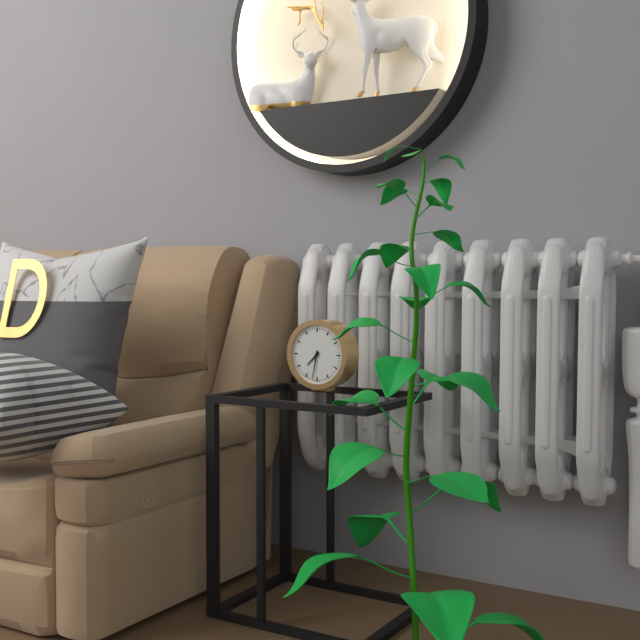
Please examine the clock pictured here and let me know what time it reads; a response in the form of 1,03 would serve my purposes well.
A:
7,32
